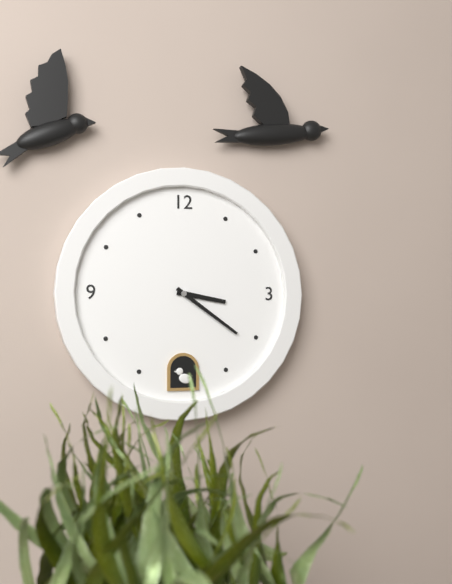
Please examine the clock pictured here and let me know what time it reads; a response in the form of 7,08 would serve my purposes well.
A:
3,21
